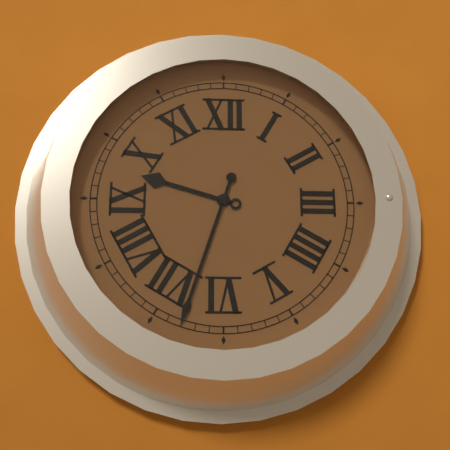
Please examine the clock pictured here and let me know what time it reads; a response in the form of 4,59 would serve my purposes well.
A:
9,33
